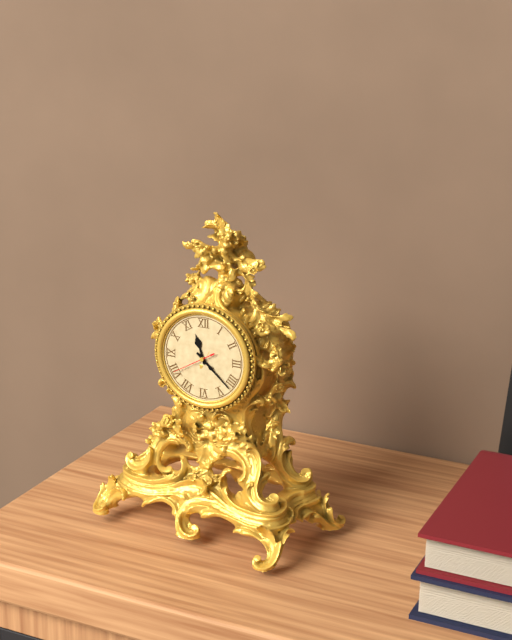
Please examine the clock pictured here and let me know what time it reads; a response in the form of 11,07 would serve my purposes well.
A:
11,22
